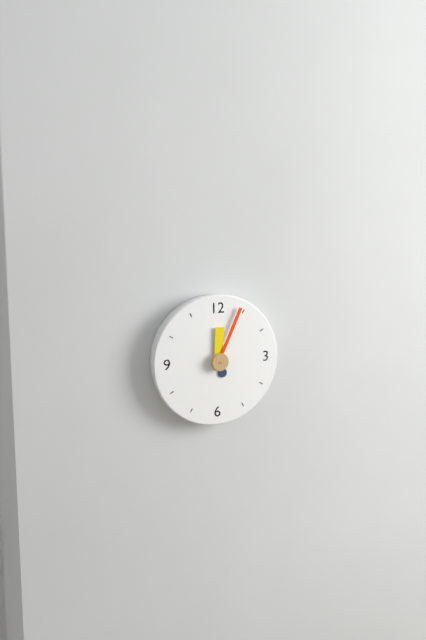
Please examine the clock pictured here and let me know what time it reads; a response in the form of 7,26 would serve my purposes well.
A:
12,04
